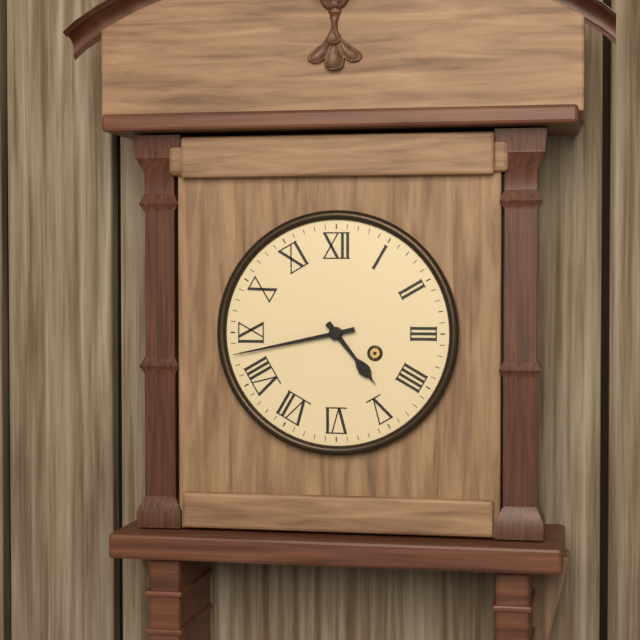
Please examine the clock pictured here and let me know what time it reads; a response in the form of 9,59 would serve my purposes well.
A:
4,43
